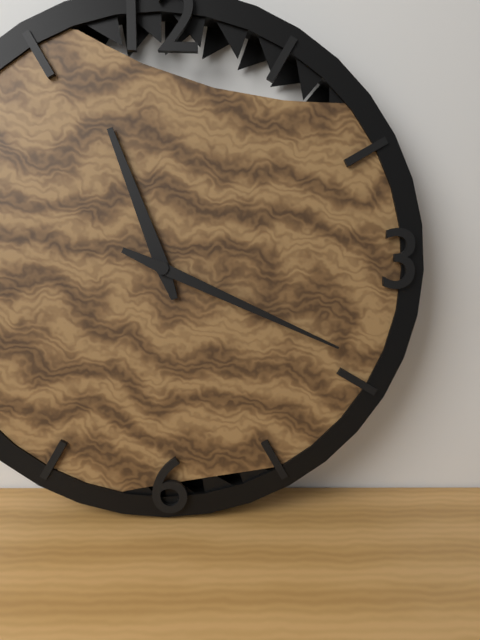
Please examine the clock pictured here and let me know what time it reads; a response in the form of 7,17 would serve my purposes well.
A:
11,19
